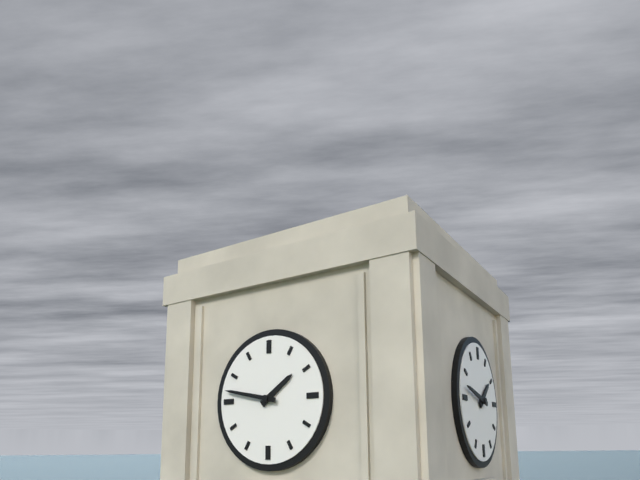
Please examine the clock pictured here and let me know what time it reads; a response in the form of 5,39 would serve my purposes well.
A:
1,47
